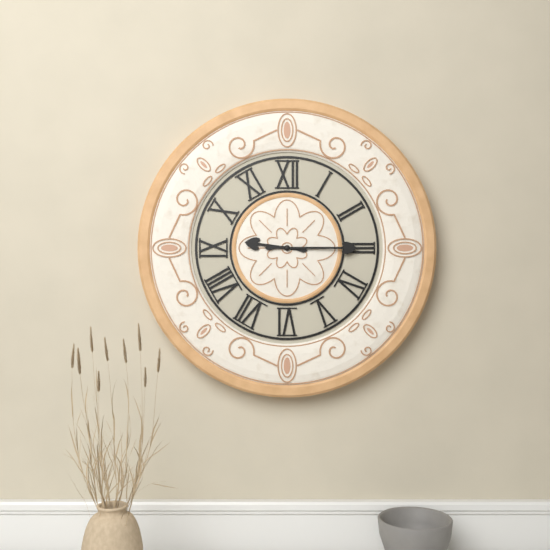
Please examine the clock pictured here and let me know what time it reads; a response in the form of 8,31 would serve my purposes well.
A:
9,15
